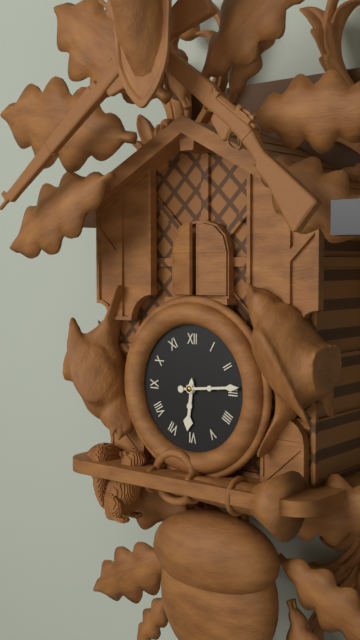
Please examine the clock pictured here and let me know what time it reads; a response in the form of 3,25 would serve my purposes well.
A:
6,14
